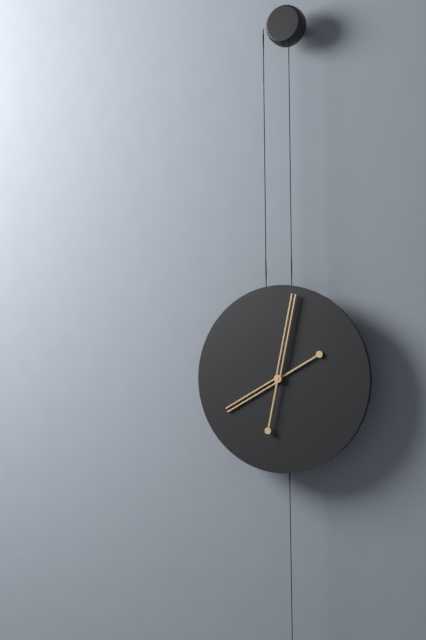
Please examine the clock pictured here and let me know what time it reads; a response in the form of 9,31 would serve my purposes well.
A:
8,02
